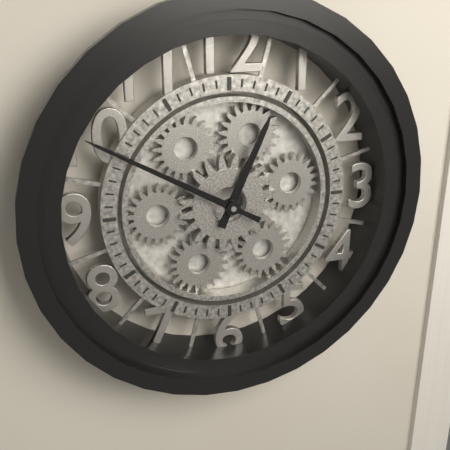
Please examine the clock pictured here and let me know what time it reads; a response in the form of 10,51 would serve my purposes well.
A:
12,50
